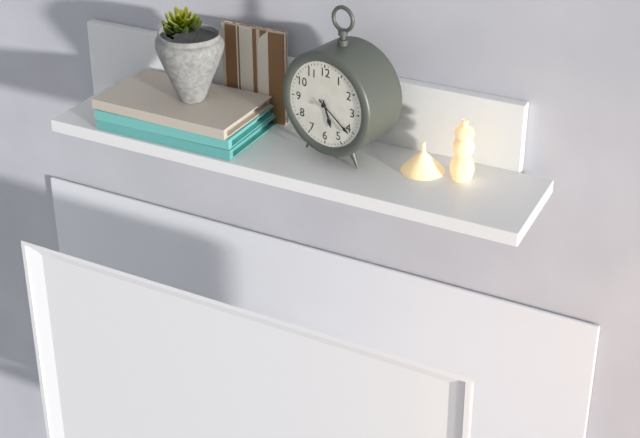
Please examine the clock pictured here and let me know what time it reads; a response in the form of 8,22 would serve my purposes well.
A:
5,21
